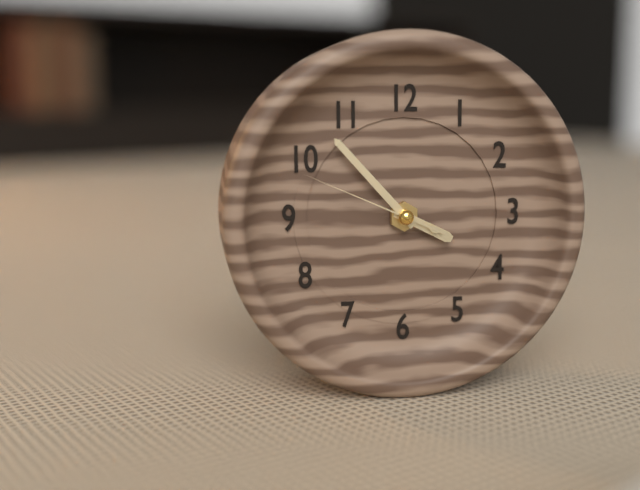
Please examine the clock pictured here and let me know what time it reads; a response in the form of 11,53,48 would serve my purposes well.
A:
3,53,49
